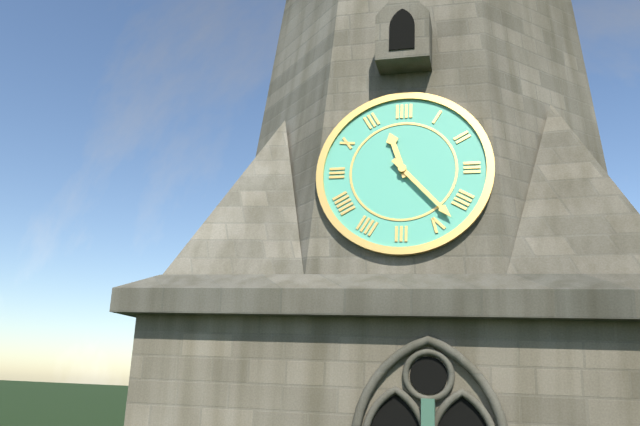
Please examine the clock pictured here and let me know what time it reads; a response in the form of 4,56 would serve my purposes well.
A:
11,23
